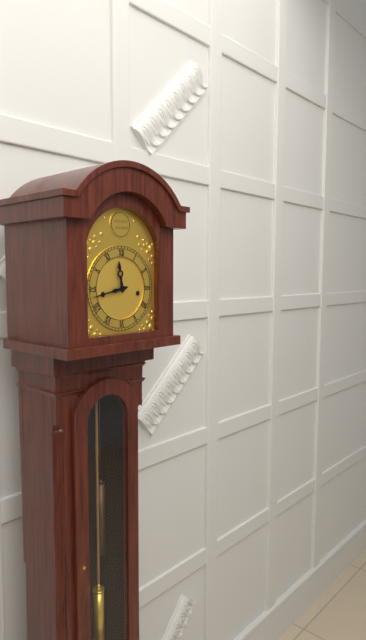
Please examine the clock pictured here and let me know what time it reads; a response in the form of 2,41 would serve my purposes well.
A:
11,43
